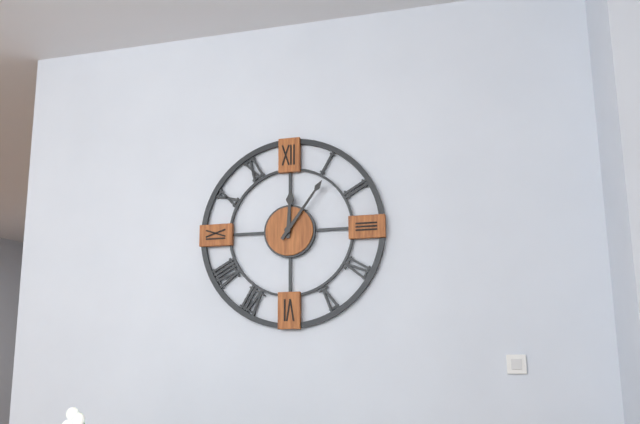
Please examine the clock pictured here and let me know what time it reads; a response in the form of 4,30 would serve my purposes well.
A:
12,06
